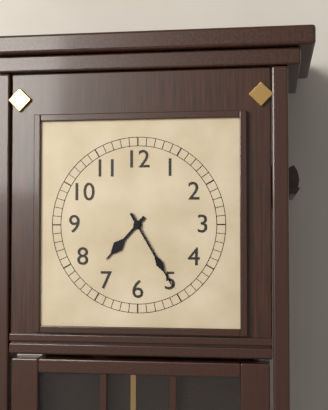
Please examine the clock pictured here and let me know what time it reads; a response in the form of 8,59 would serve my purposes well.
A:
7,25
